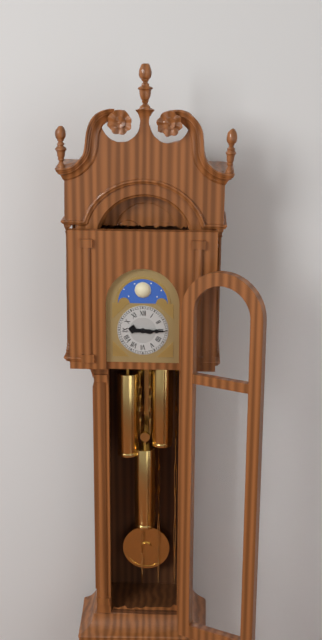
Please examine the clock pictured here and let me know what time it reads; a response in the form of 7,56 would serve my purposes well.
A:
9,15
